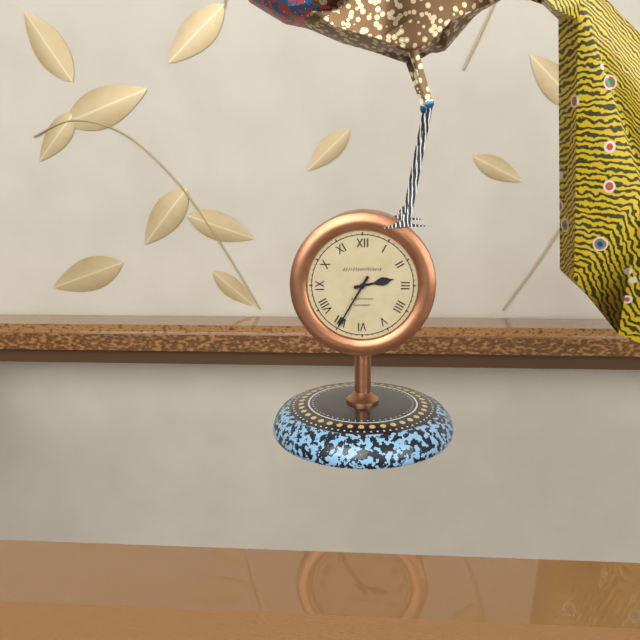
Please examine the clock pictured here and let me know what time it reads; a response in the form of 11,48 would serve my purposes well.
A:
2,35
